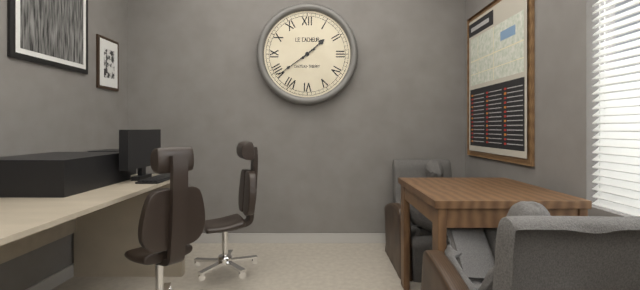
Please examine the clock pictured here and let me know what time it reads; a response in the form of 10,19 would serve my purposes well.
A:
1,39
